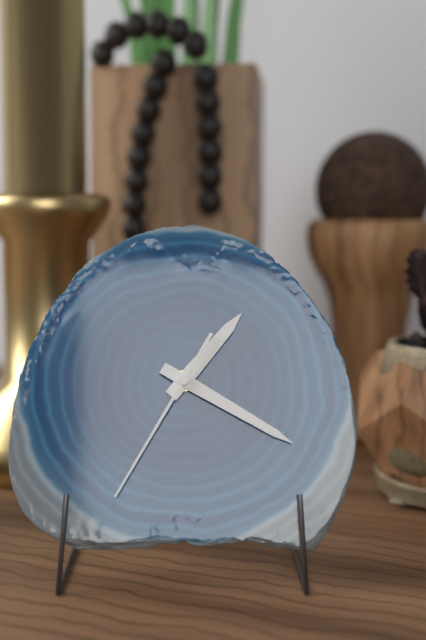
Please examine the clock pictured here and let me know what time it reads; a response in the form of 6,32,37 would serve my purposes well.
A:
1,20,35
